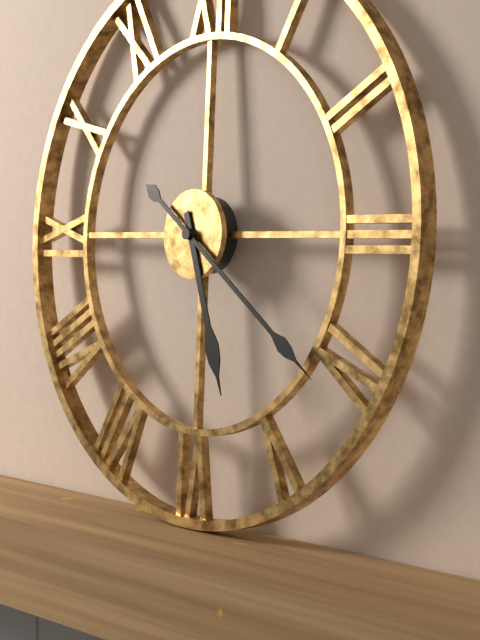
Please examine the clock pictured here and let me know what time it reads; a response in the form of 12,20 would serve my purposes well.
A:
5,21
